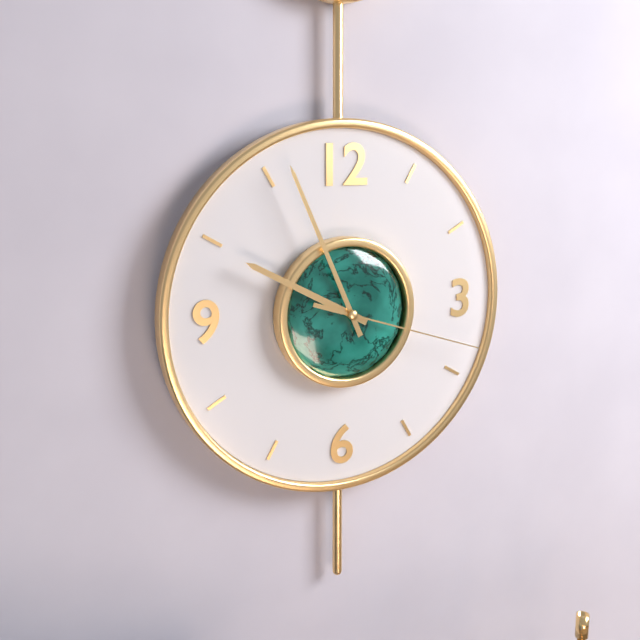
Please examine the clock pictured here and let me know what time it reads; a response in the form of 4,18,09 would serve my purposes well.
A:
9,56,18
